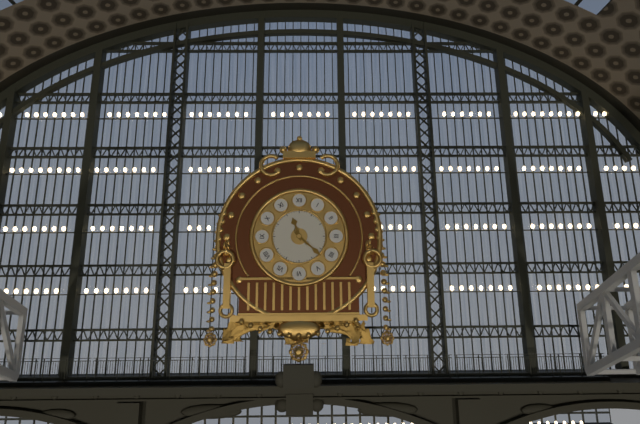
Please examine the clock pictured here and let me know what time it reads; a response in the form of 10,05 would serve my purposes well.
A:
11,22
